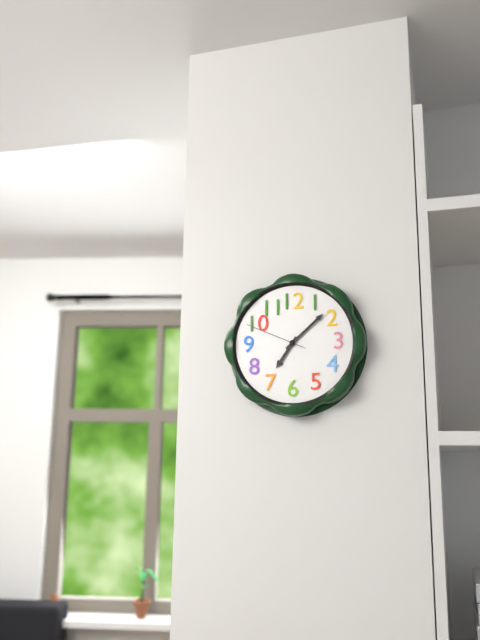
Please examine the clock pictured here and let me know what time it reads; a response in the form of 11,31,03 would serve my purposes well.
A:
7,08,49
